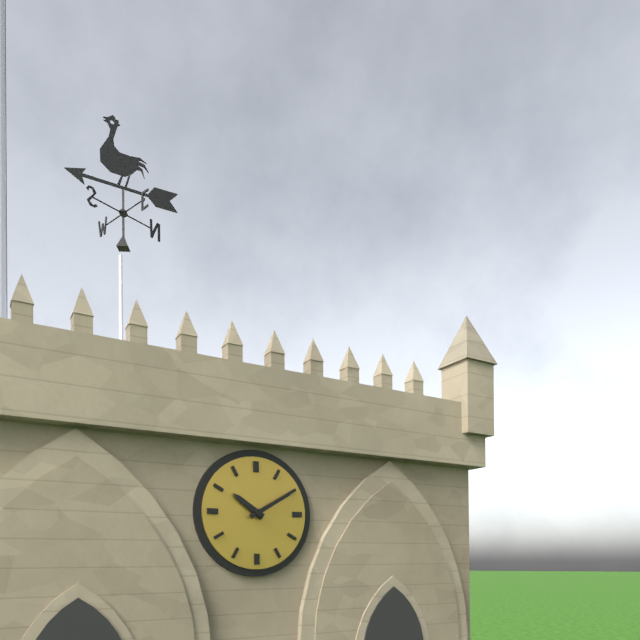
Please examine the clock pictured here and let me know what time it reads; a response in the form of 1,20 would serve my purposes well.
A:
10,10
